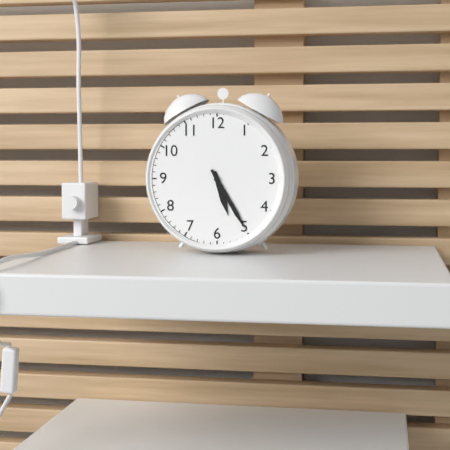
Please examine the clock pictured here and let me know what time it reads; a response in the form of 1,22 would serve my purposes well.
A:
5,25
